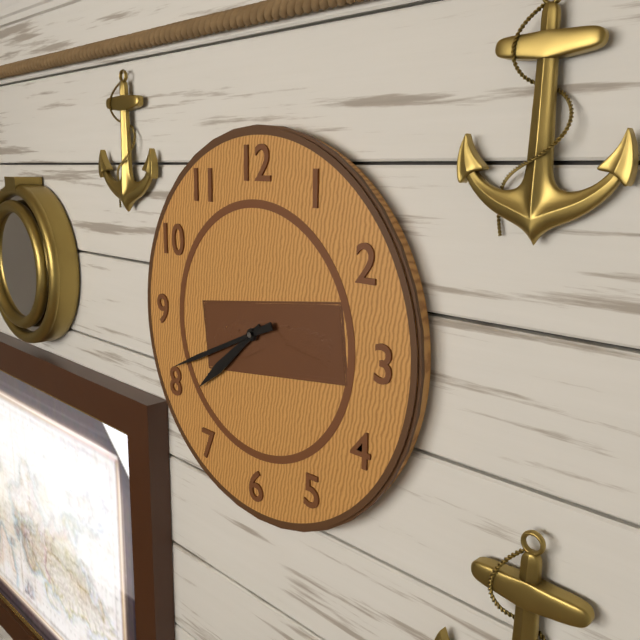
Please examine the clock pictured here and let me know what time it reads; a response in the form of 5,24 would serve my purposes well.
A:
7,41
